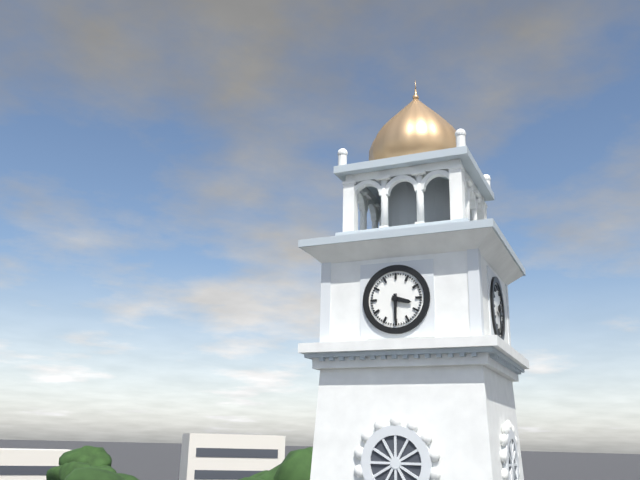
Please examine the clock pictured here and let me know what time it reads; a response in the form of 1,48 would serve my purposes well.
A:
3,30
